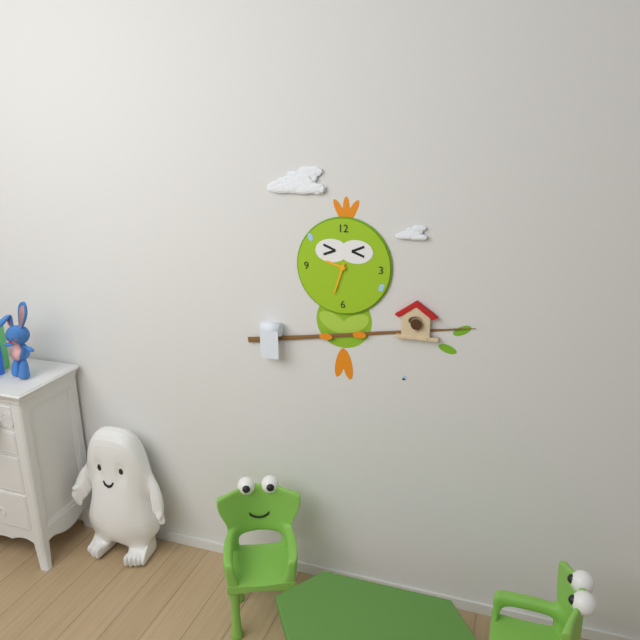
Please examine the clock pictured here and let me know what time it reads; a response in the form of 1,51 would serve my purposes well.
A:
9,33
